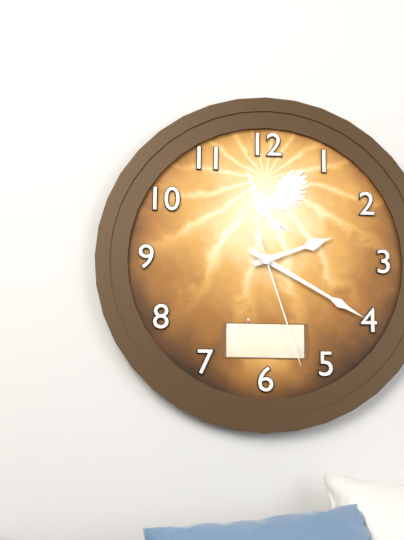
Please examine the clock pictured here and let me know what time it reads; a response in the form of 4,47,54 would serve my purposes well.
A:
2,20,27
